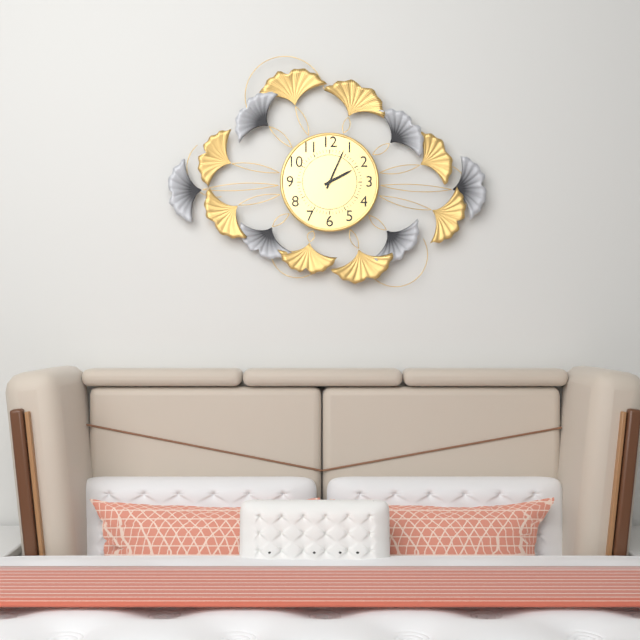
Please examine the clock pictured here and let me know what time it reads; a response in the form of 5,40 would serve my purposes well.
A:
2,04
